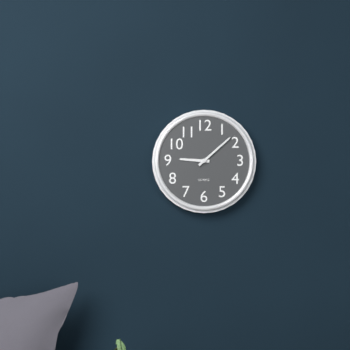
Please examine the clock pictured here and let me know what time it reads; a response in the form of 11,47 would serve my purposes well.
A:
9,08
